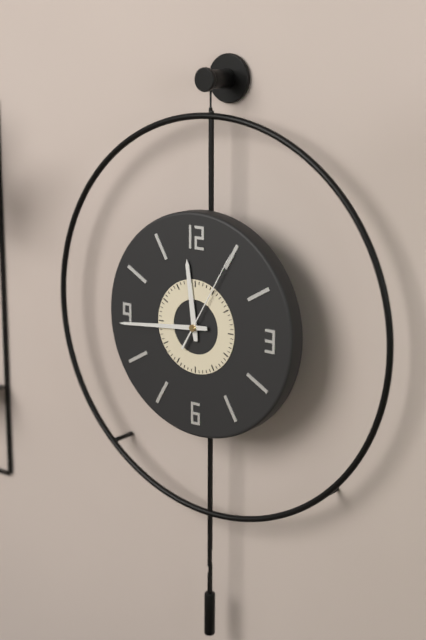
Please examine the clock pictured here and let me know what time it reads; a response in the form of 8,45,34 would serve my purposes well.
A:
11,44,05
